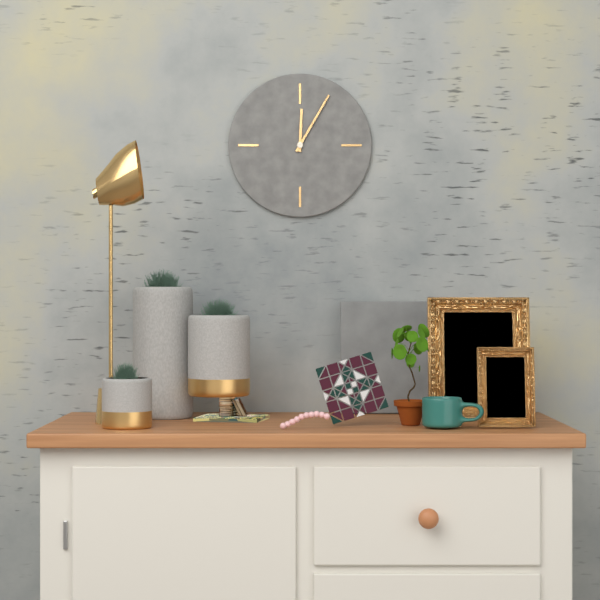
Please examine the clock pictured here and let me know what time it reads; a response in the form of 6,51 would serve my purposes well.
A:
12,05
